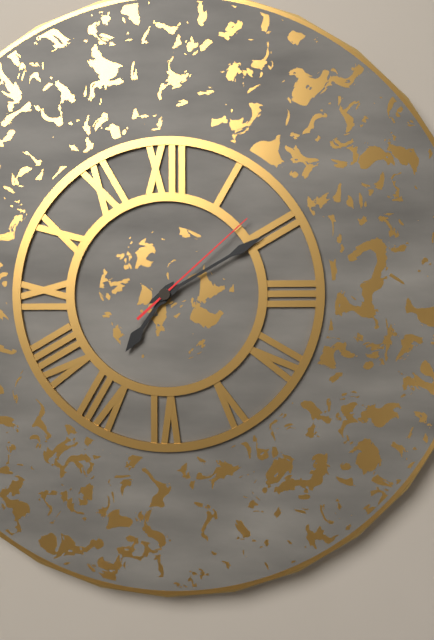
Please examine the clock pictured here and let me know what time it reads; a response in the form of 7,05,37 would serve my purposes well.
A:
7,10,08
